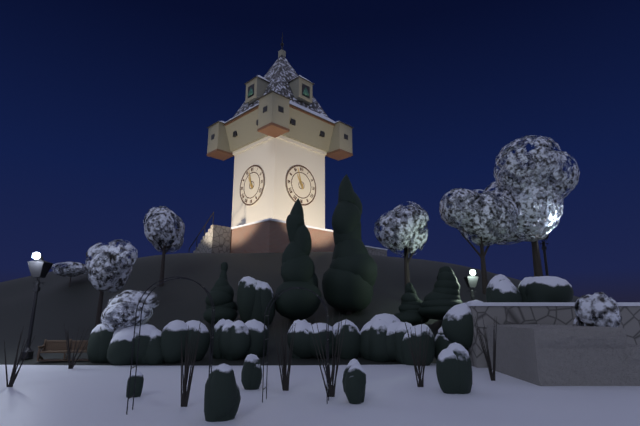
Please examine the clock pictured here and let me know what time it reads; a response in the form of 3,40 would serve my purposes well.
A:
10,57
